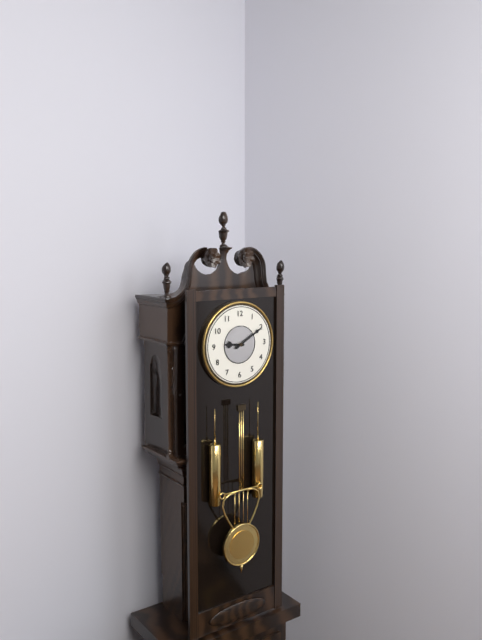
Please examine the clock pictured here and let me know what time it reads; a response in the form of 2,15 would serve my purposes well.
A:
9,10
